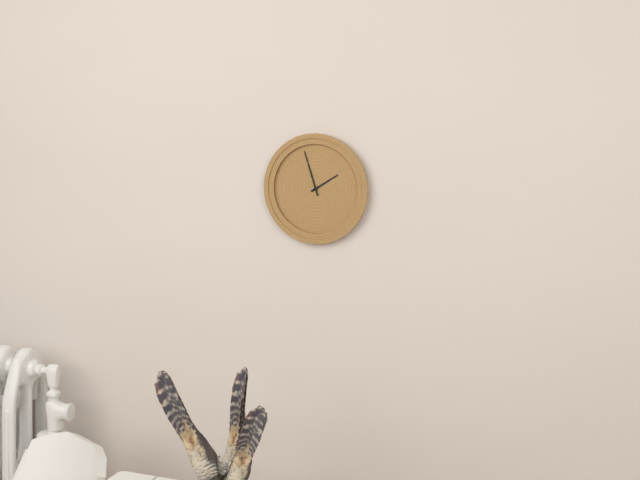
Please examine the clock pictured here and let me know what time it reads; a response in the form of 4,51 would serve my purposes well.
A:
1,57
